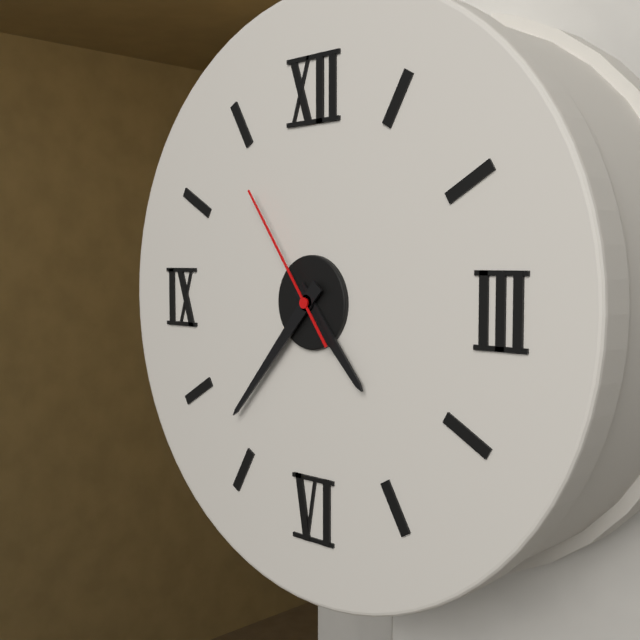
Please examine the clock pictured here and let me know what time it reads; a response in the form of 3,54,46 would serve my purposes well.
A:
4,37,54
